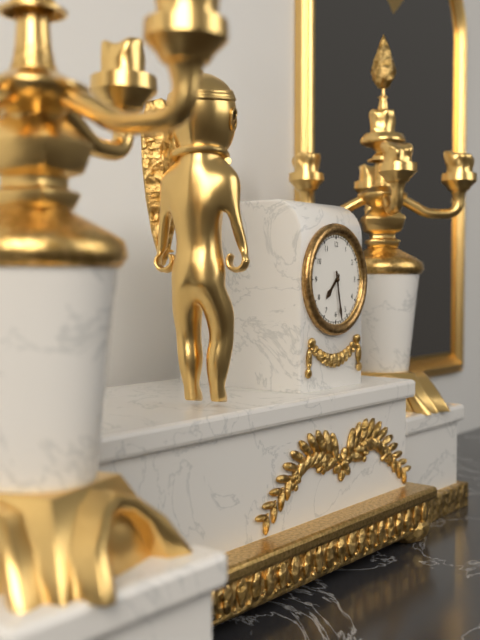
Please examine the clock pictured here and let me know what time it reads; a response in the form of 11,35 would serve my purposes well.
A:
7,28
